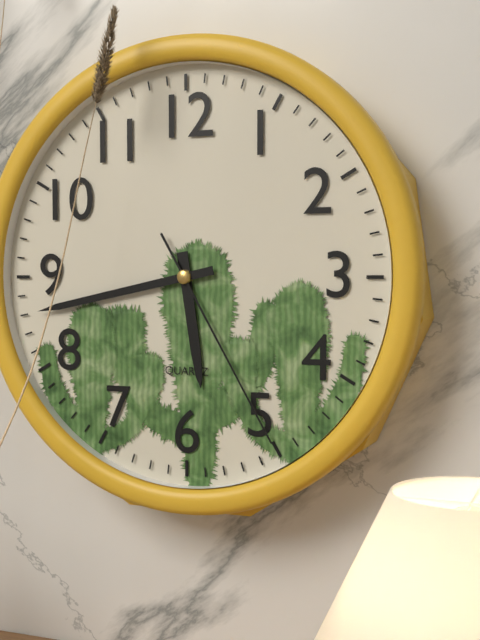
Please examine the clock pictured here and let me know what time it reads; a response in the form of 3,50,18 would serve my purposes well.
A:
5,43,25
